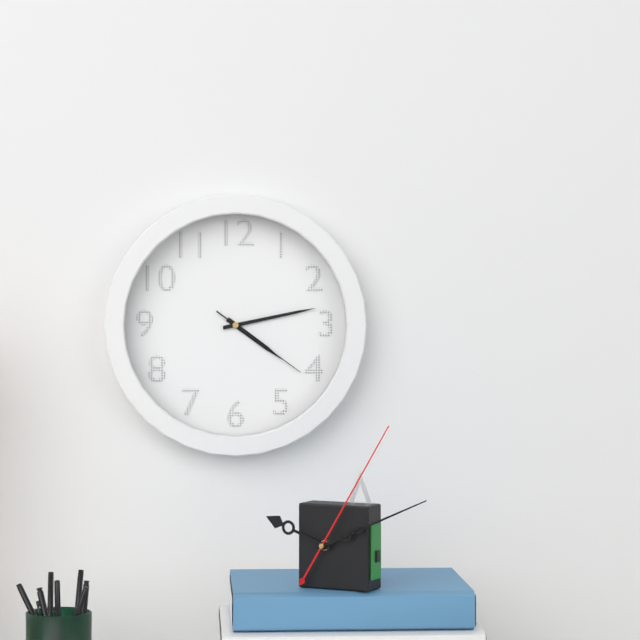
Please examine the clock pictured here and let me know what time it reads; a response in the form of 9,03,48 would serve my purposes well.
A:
4,13,21
